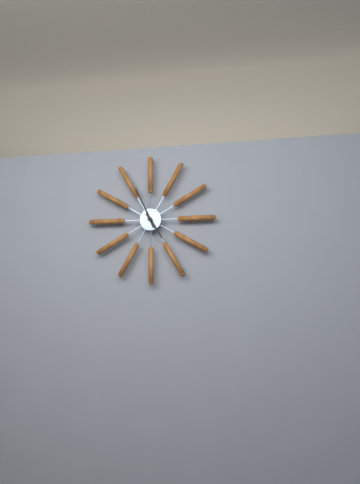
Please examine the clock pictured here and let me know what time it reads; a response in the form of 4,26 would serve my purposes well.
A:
4,56
